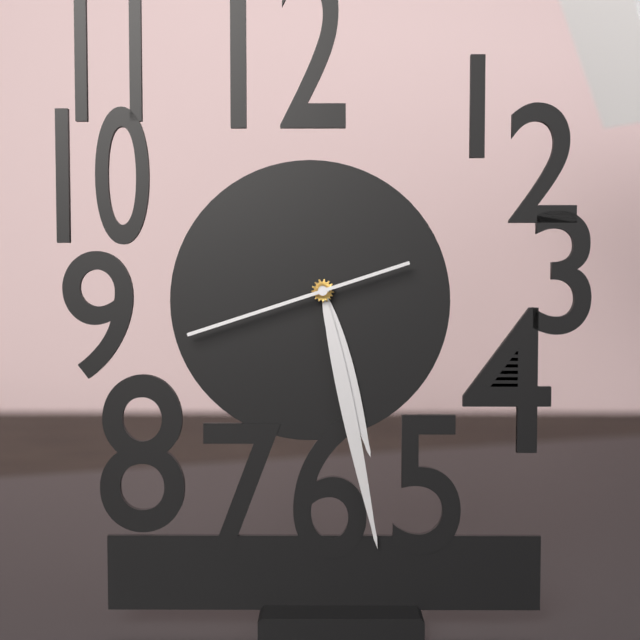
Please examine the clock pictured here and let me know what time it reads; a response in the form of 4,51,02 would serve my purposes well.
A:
5,28,42
